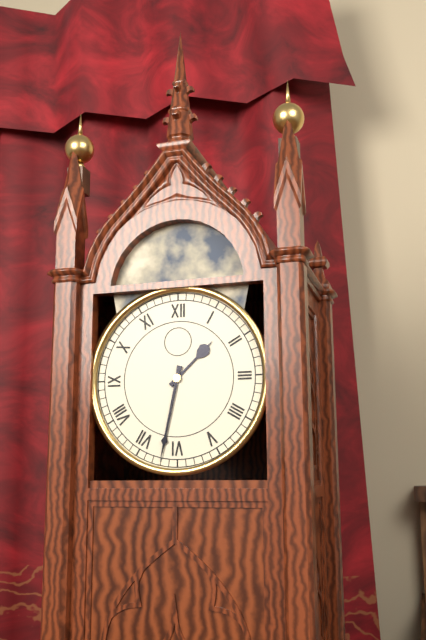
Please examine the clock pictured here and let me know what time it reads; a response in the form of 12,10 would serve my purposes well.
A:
1,32
